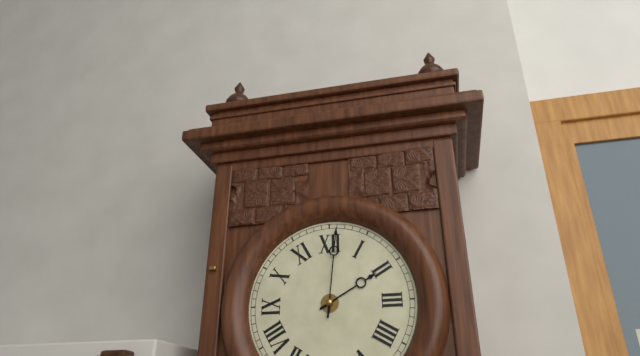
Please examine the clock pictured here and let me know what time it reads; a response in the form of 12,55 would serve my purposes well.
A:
2,01
